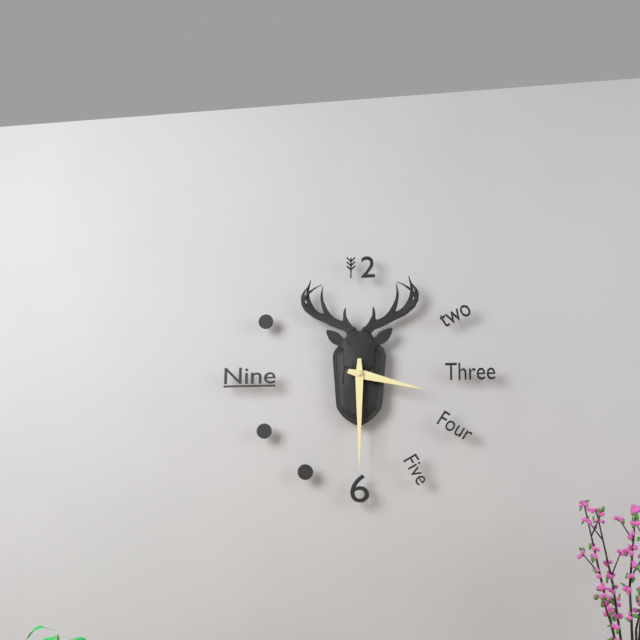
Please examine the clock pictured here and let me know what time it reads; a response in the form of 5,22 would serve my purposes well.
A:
3,30
